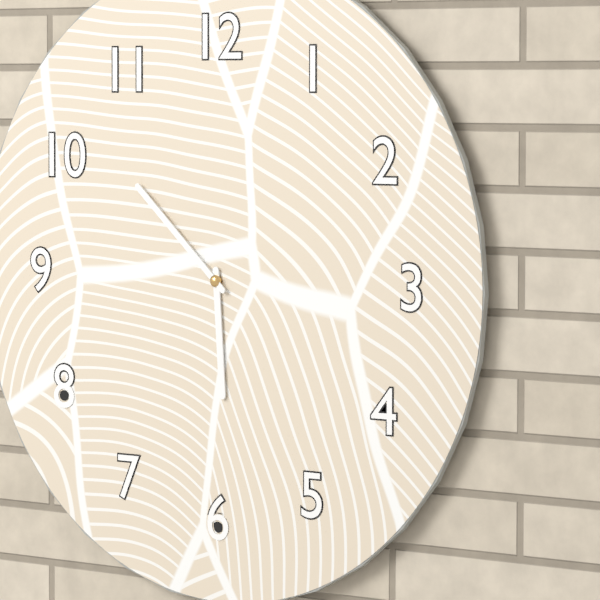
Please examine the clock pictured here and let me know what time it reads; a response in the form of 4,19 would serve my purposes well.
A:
5,52
